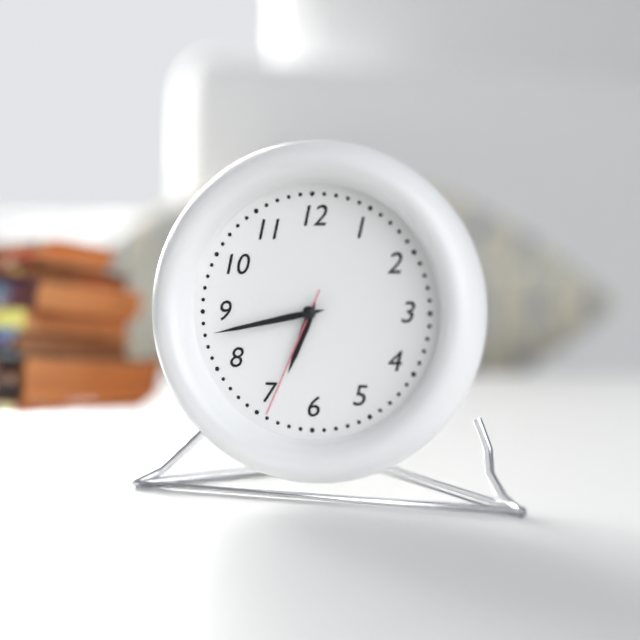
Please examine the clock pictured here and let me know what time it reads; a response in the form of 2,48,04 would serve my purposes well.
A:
6,43,34
